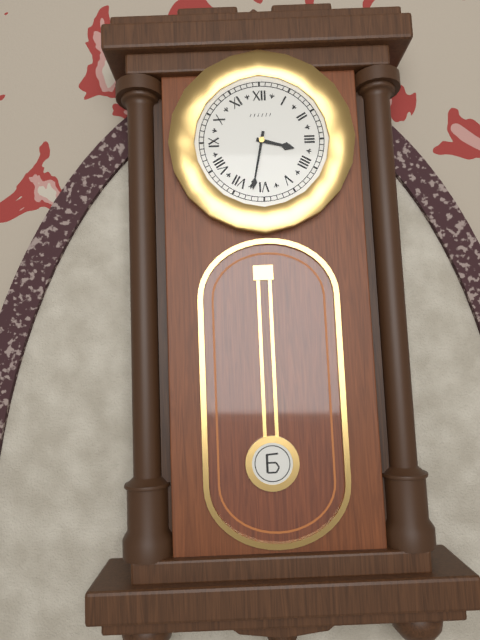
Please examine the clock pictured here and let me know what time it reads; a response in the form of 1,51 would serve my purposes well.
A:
3,32
